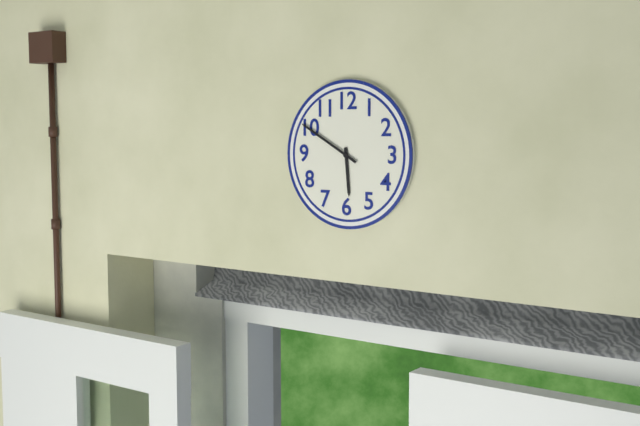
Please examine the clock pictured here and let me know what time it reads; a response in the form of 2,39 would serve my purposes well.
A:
5,50
